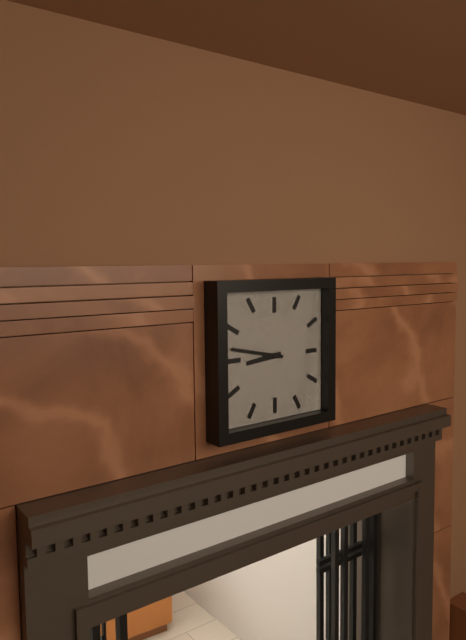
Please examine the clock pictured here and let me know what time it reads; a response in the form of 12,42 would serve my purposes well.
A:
8,47
